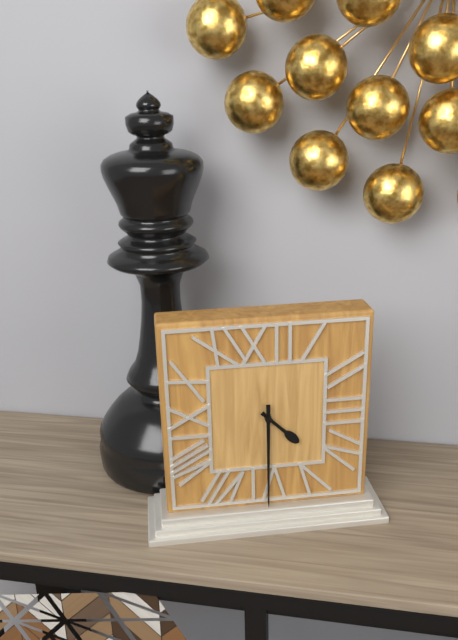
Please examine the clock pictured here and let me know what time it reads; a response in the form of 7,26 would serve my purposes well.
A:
4,30
